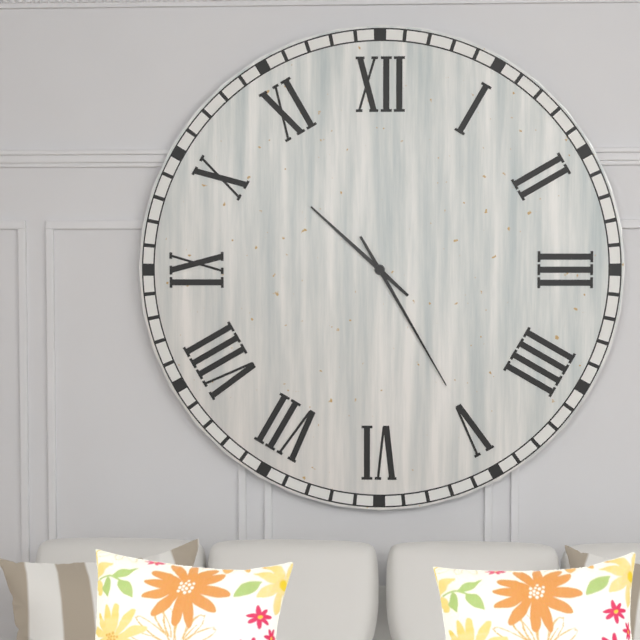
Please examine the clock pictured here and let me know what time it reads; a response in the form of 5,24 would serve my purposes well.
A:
10,25
